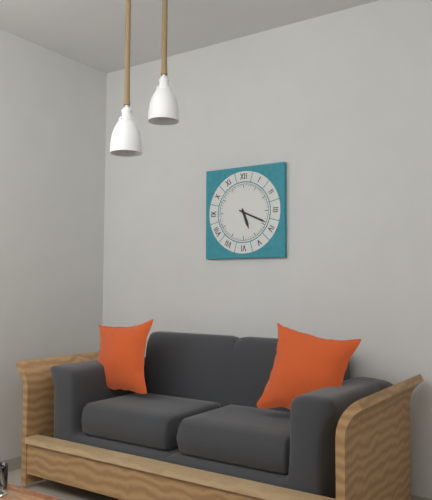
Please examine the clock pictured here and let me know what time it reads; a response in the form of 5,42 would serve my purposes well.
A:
5,19
